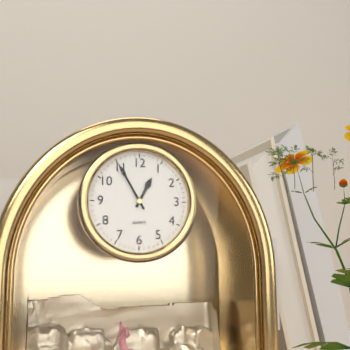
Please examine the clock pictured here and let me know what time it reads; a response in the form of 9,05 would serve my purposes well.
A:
12,55
